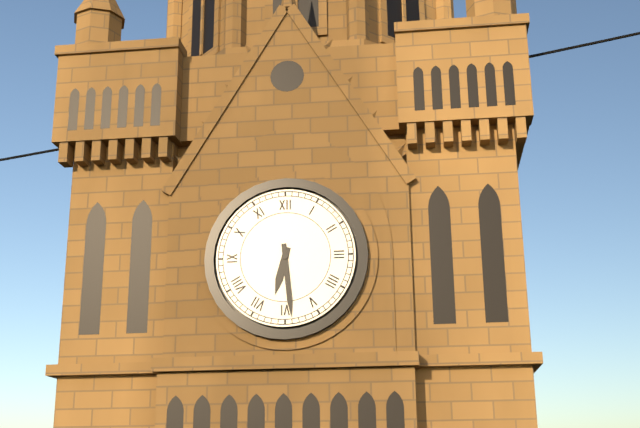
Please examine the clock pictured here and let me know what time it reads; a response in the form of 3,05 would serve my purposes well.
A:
6,29
